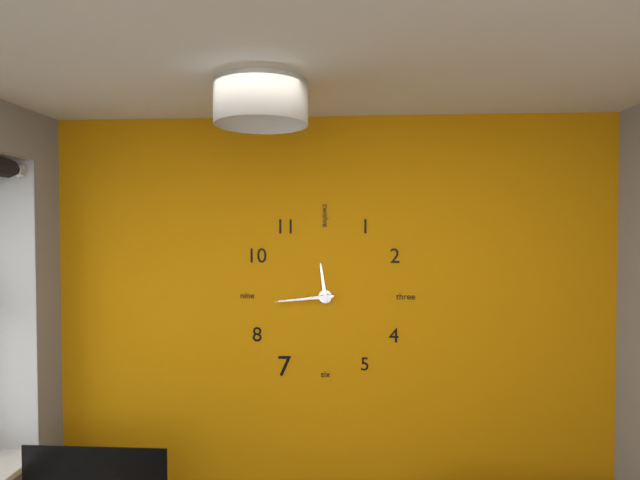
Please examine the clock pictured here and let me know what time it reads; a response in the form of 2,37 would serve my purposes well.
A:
11,44
